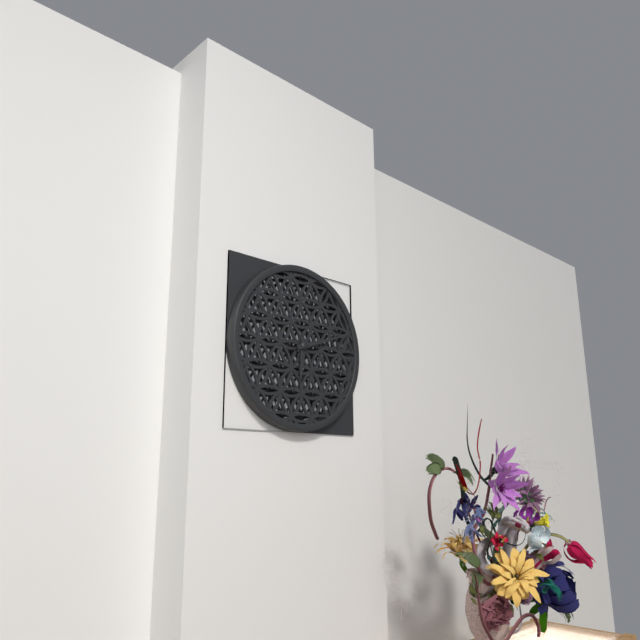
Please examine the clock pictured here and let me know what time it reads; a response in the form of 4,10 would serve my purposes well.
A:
6,12
